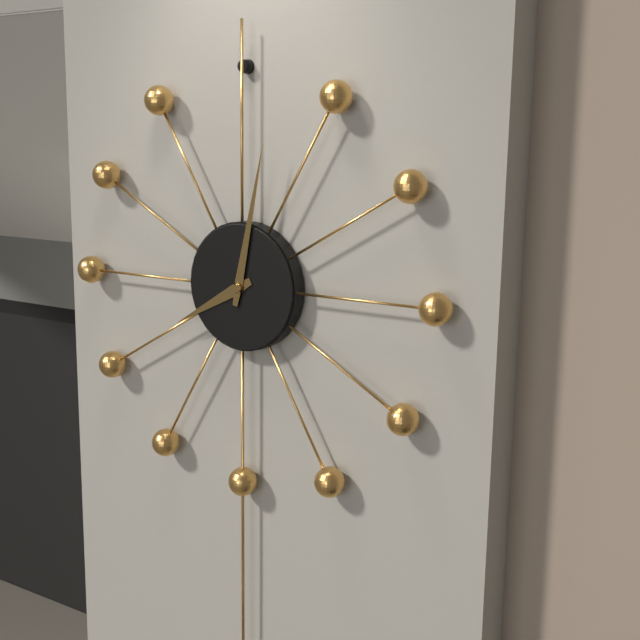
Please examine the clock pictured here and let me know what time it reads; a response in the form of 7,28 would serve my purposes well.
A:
8,02
